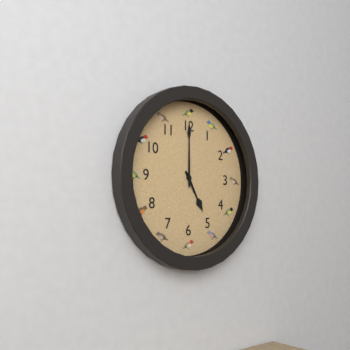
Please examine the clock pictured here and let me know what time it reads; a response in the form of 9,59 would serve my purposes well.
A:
5,00
